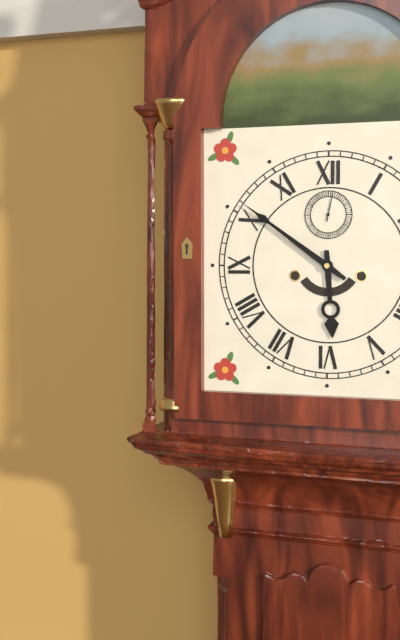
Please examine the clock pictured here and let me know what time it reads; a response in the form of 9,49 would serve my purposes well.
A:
5,51
